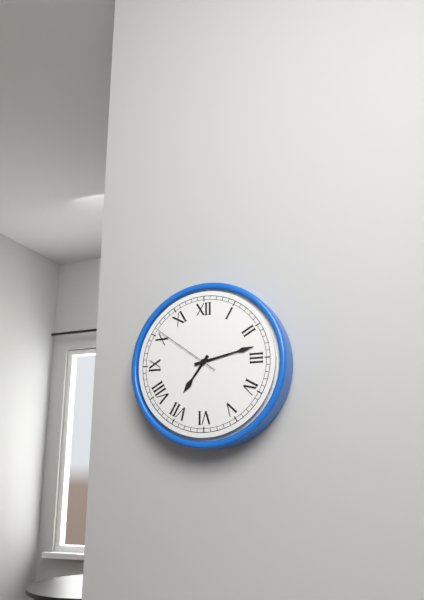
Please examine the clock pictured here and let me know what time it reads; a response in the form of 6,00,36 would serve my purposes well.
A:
7,13,51
